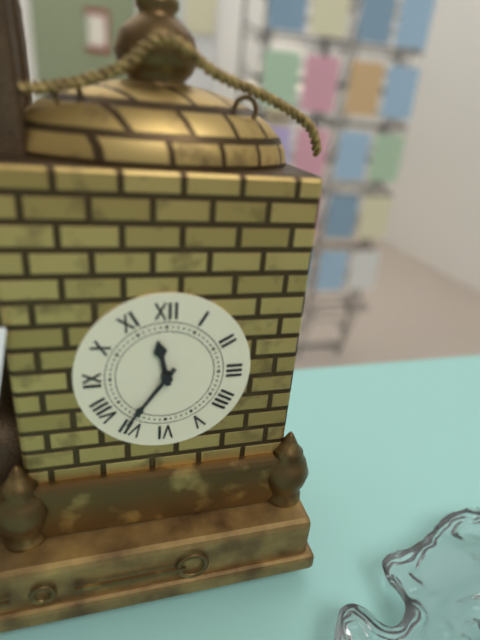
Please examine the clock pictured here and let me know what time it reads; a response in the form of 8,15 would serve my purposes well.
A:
11,36
